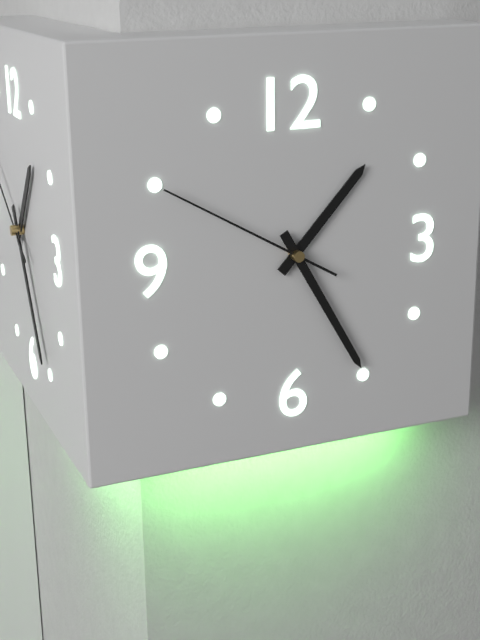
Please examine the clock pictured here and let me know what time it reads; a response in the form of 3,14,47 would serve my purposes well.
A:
1,25,50
